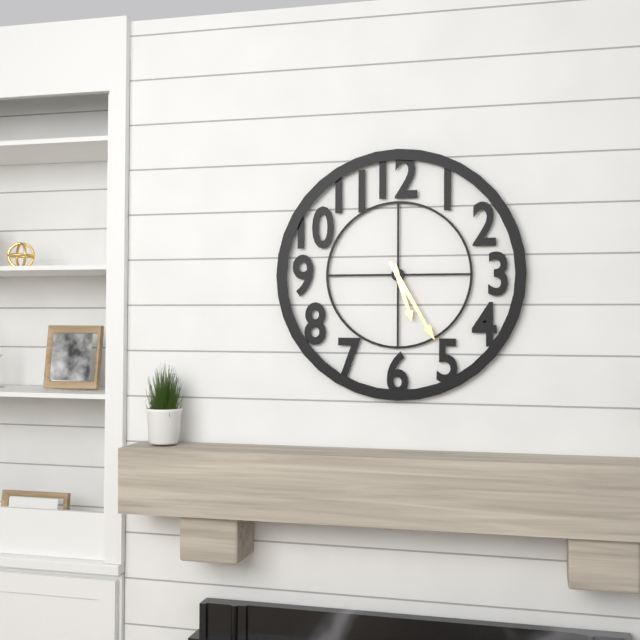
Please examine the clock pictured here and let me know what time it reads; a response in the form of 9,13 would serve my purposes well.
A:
5,25
